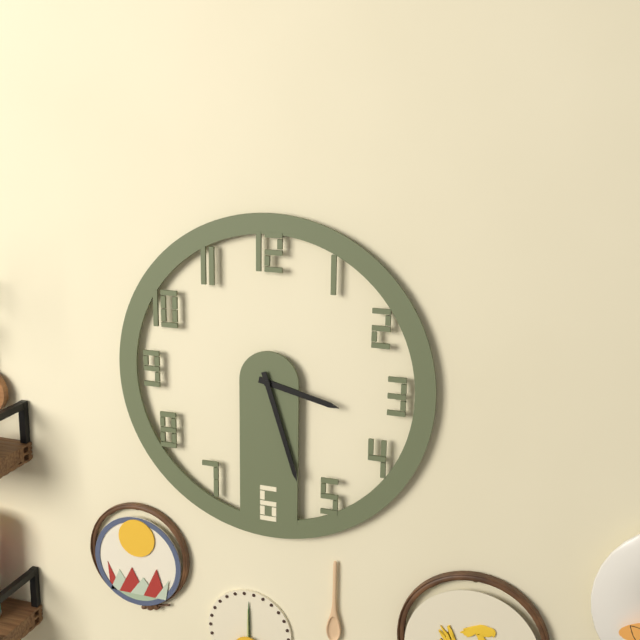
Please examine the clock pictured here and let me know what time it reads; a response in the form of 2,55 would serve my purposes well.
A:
3,27
